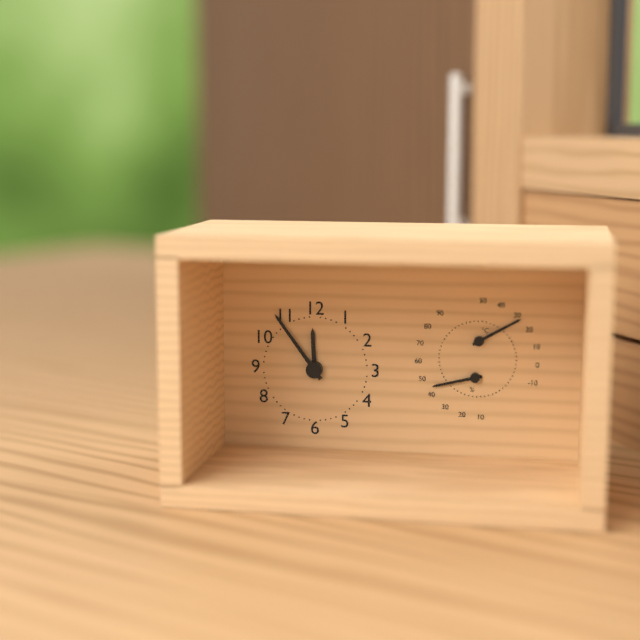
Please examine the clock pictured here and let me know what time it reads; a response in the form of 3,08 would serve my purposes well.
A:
11,54
